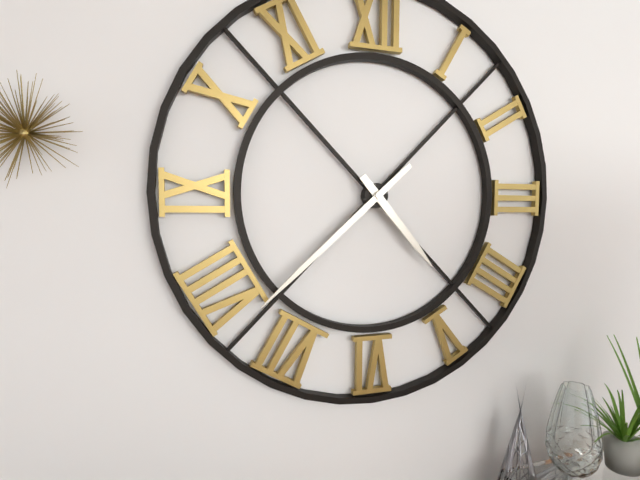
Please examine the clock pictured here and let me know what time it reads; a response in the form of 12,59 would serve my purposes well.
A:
4,38
